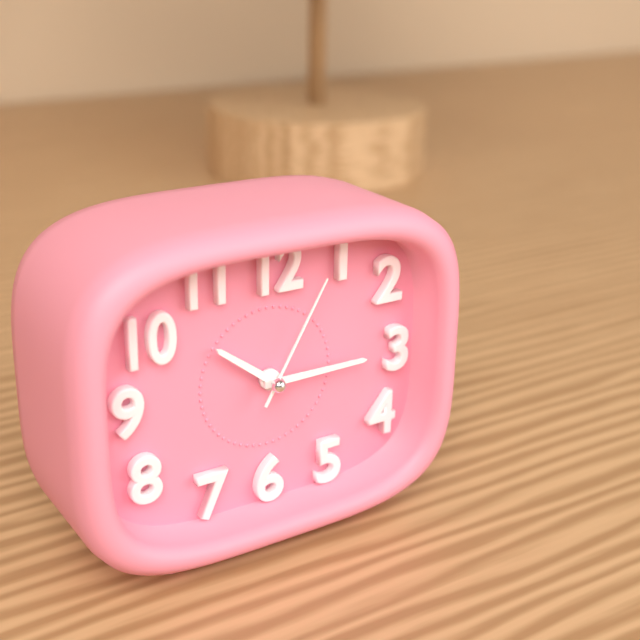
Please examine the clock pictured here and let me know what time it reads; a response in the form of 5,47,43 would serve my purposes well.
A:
10,15,05
